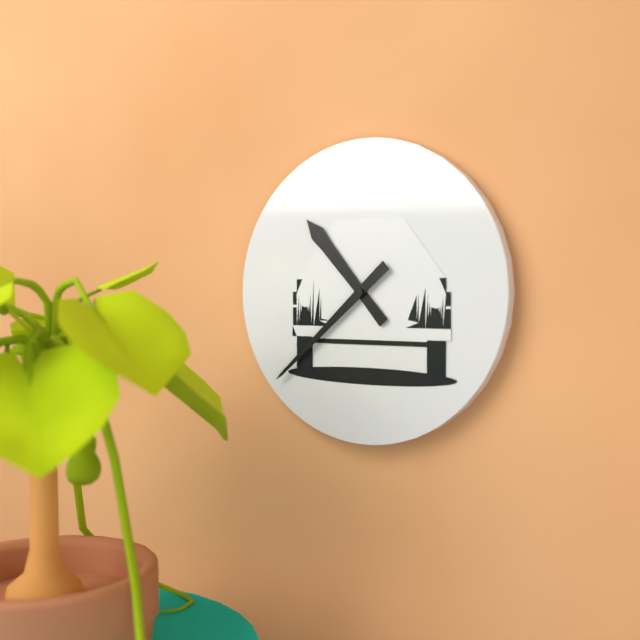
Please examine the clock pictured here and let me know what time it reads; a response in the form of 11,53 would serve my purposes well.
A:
10,38
